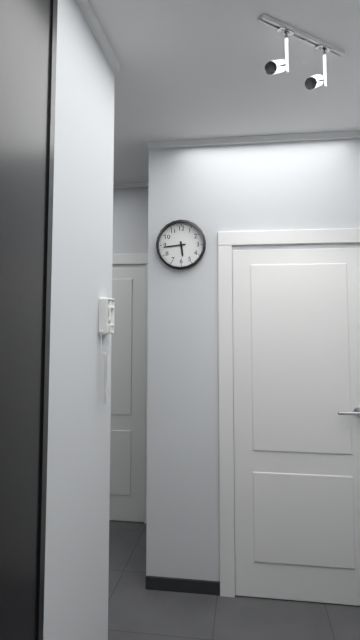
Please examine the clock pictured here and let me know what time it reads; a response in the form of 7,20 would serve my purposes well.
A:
5,44
